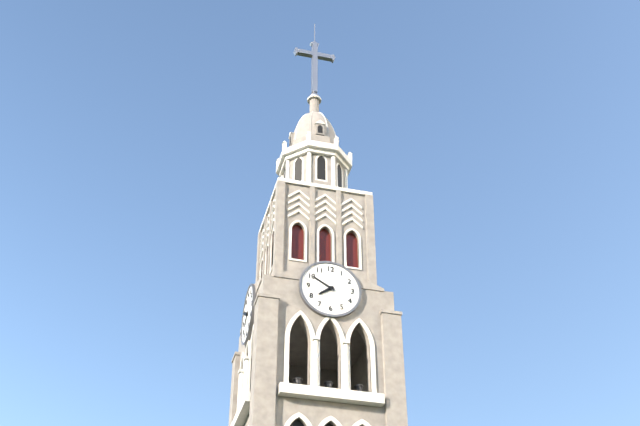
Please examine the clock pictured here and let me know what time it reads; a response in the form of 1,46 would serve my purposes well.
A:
7,50
